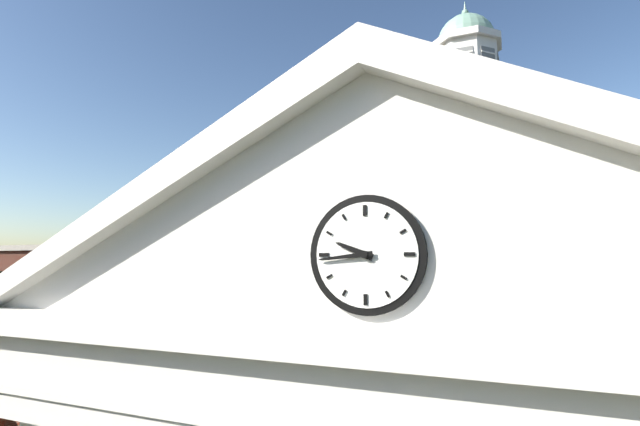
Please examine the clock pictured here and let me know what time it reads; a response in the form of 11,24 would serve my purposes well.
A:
9,44
